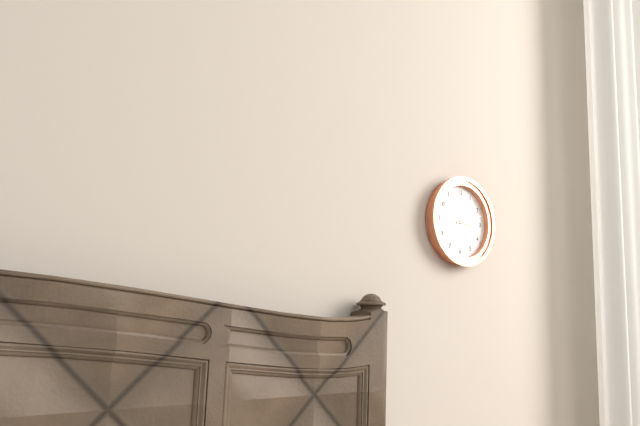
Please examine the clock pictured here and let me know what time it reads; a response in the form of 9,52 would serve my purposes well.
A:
3,12
